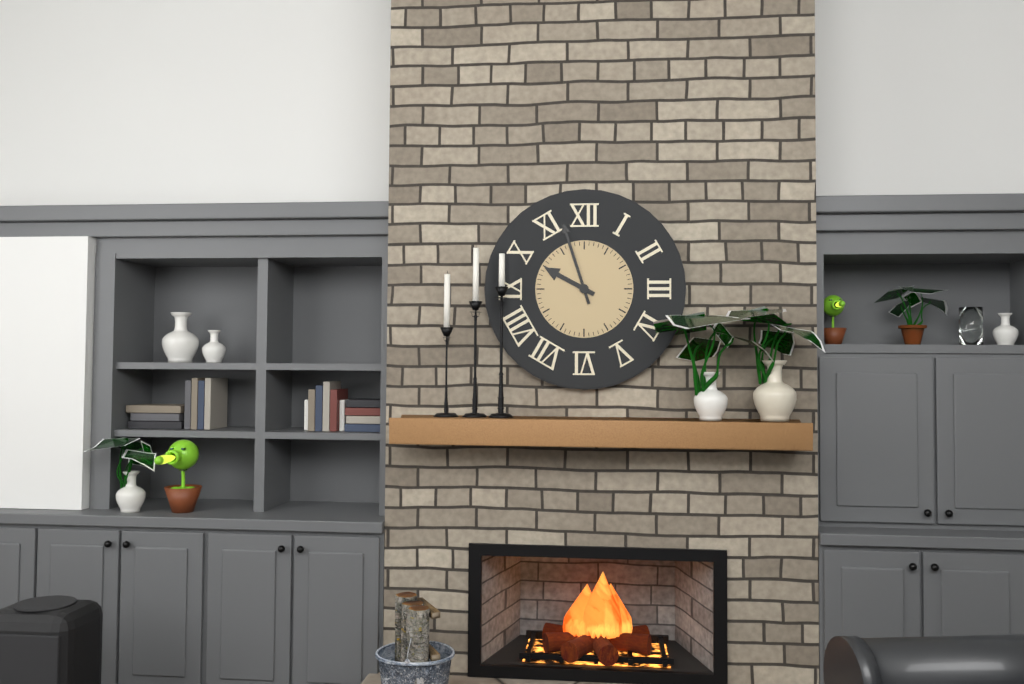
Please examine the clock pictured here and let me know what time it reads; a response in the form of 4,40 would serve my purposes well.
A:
9,57
